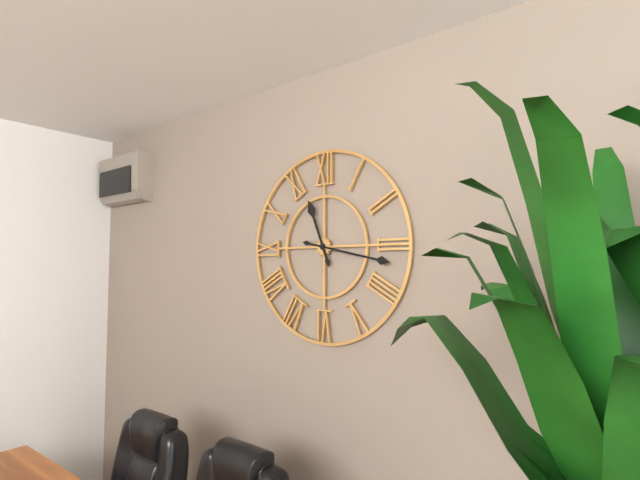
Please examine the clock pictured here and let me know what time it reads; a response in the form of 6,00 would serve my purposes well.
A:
11,17
